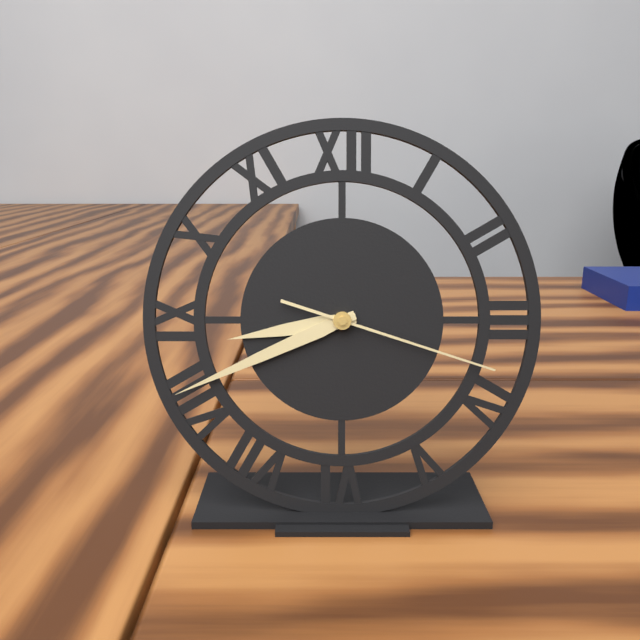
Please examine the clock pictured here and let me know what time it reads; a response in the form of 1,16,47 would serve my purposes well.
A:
8,41,18
